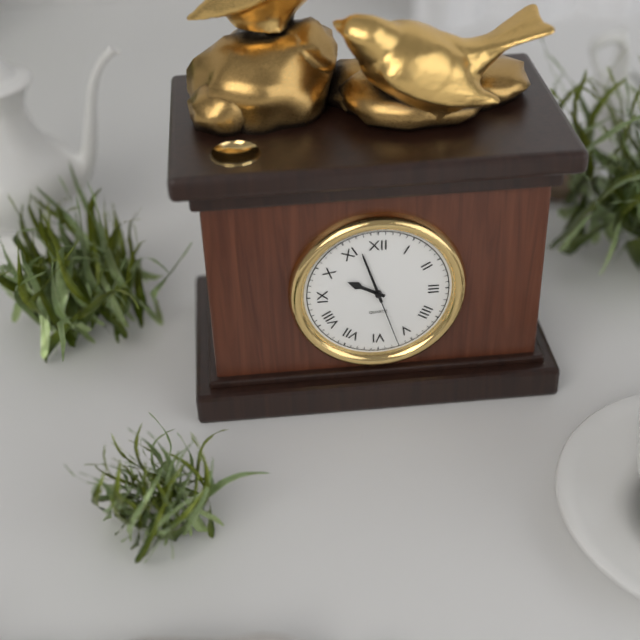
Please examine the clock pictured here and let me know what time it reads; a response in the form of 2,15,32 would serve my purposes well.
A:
9,57,27
